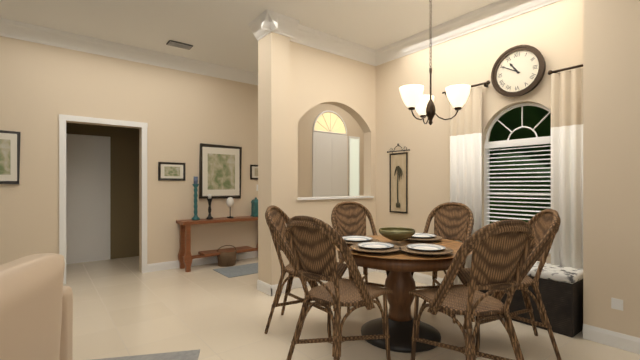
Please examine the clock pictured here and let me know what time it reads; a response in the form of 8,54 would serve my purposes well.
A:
10,50
